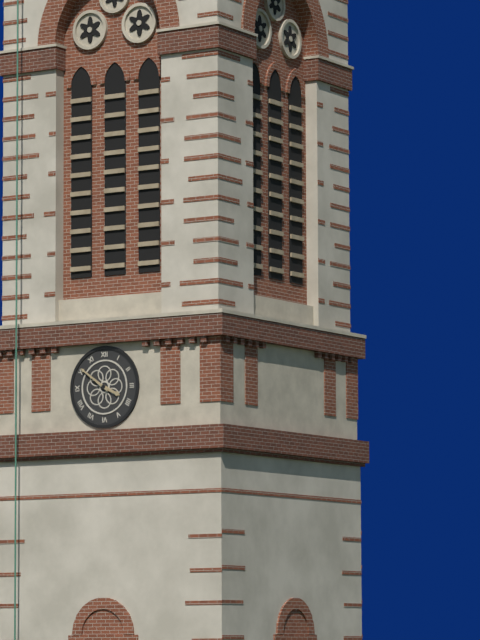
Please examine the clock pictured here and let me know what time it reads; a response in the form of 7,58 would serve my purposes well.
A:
3,51
